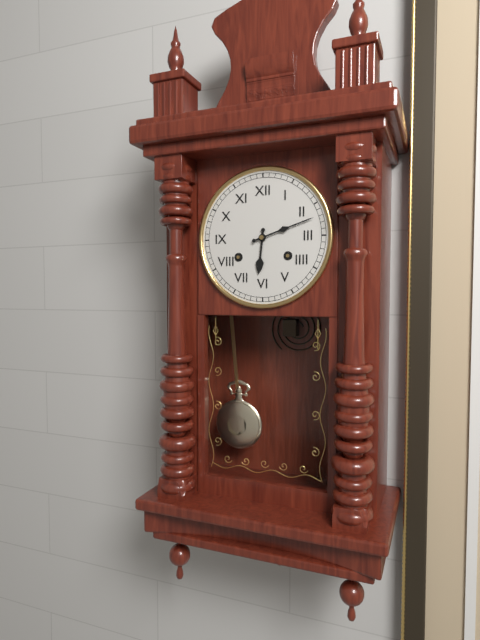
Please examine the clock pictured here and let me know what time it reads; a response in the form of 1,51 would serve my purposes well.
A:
6,12
